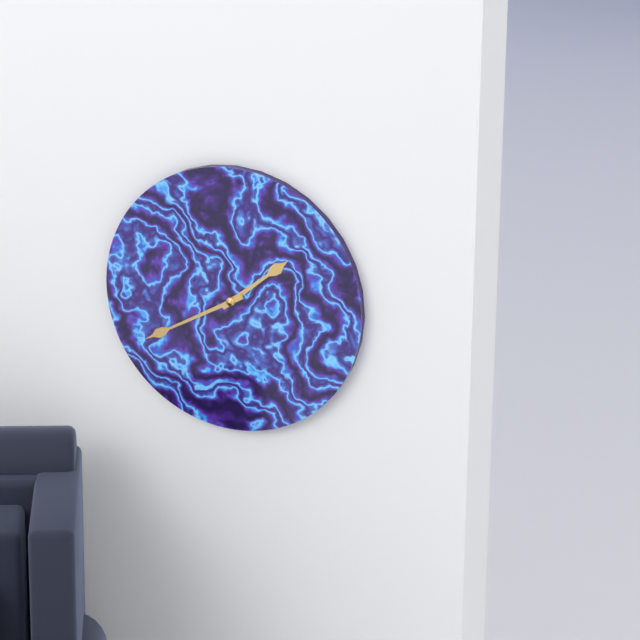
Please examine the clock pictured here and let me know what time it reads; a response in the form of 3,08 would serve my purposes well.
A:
1,40
